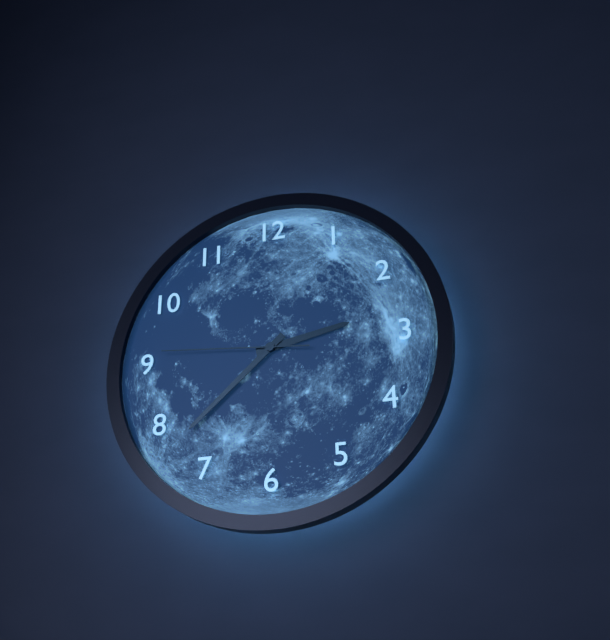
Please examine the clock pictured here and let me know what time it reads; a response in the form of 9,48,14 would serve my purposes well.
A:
2,38,46
